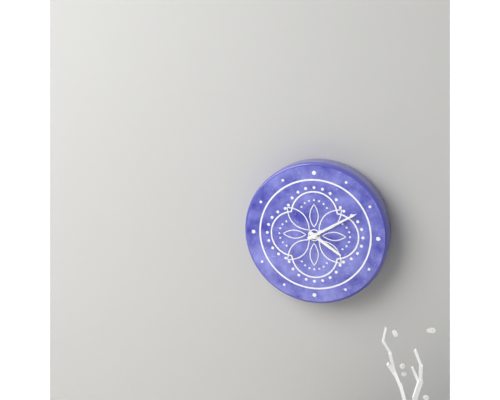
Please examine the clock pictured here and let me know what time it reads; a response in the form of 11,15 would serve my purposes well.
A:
4,10
